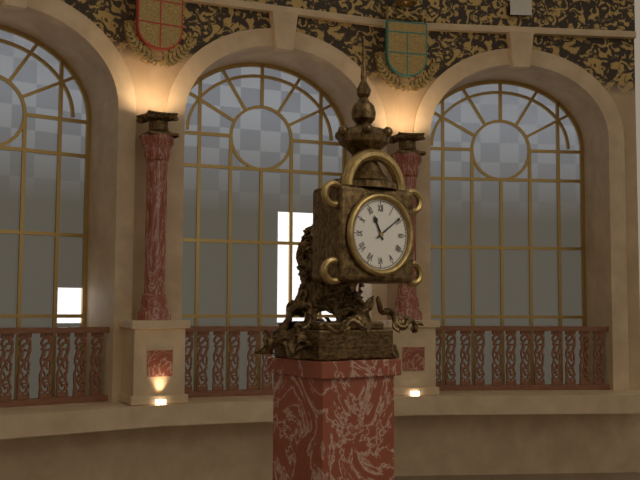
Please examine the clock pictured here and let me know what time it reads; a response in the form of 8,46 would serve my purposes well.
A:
11,09
